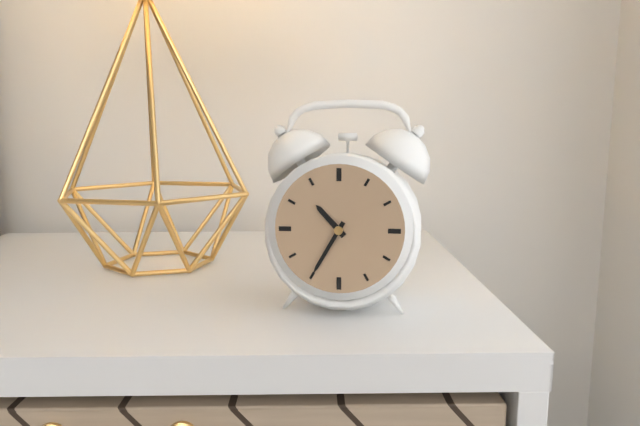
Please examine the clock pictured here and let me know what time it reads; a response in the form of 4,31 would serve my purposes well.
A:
10,35
